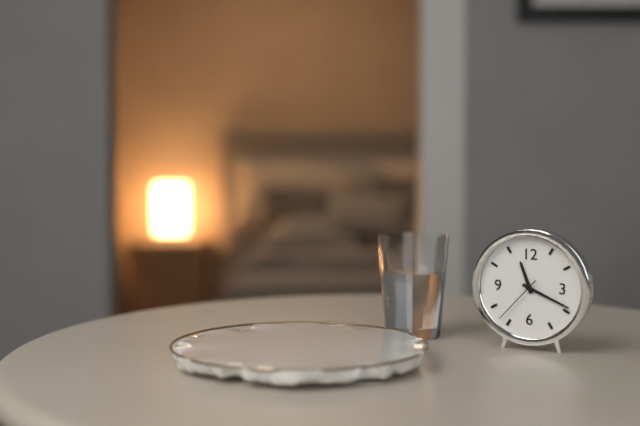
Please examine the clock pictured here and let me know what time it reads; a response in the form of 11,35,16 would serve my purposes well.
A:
11,19,37
